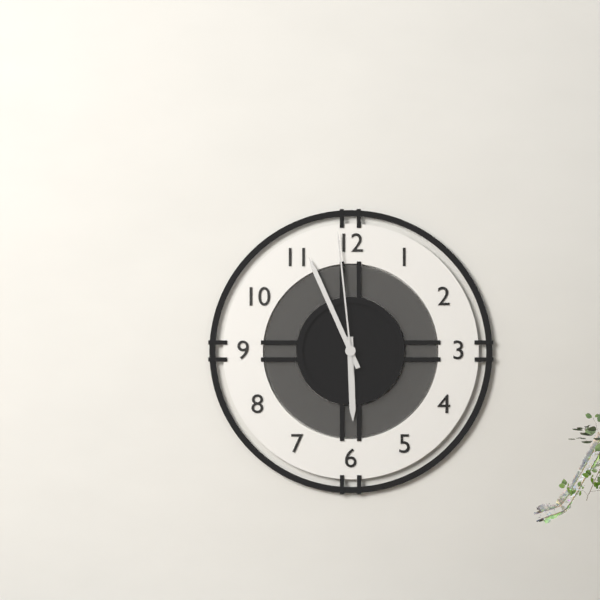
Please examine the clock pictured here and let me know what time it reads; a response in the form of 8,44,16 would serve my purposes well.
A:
5,56,59
